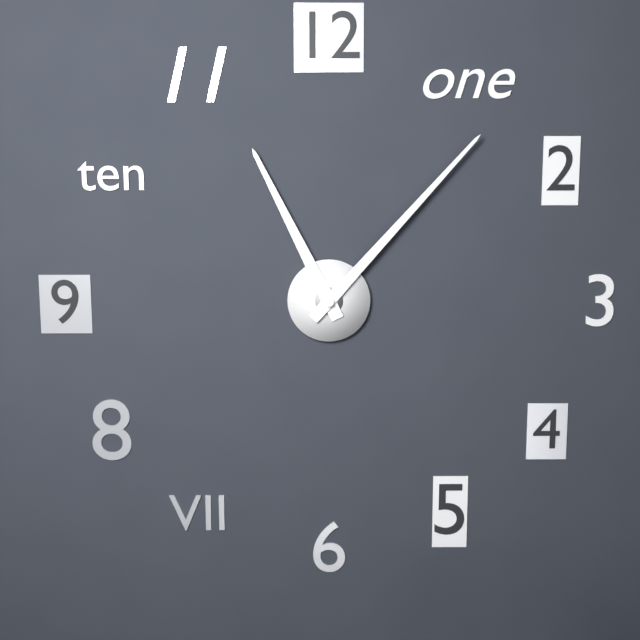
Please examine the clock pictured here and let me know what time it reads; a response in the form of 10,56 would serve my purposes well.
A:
11,07
